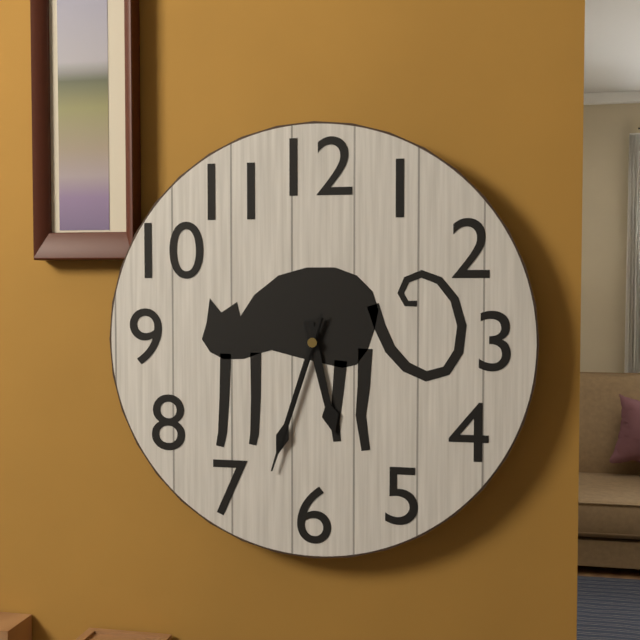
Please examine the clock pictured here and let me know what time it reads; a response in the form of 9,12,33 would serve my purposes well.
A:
5,33,33
